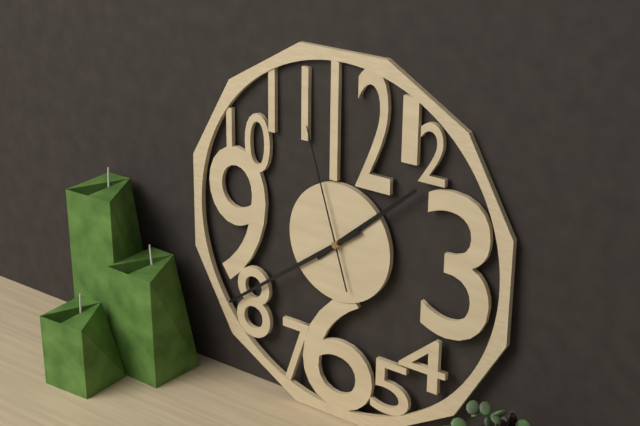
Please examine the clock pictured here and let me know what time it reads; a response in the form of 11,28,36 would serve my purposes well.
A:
1,39,57
